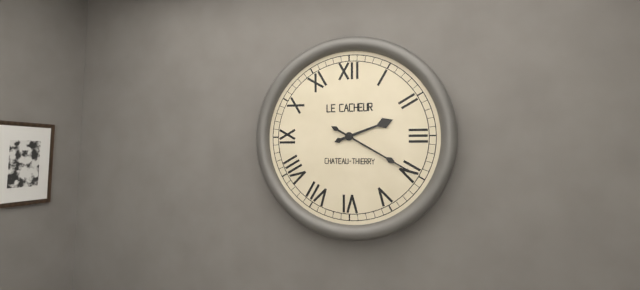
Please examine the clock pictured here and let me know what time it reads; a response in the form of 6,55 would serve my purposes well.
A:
2,20
